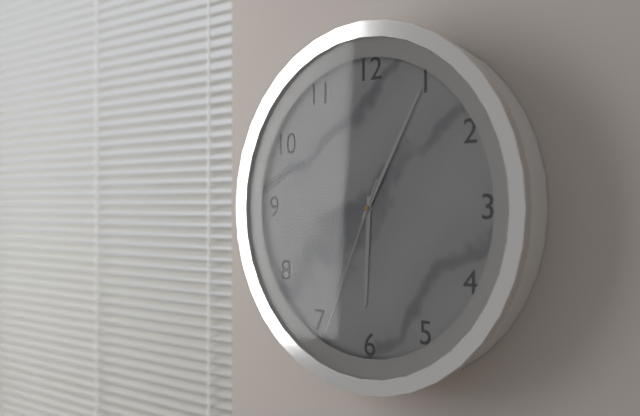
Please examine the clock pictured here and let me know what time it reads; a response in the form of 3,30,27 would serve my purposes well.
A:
6,05,34
